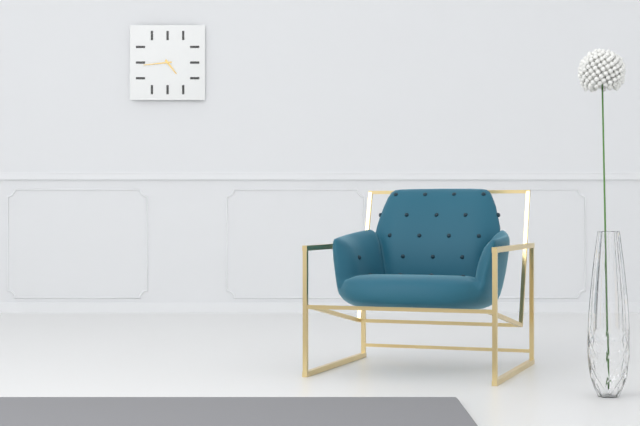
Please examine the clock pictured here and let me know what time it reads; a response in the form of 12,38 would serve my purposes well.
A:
4,44
